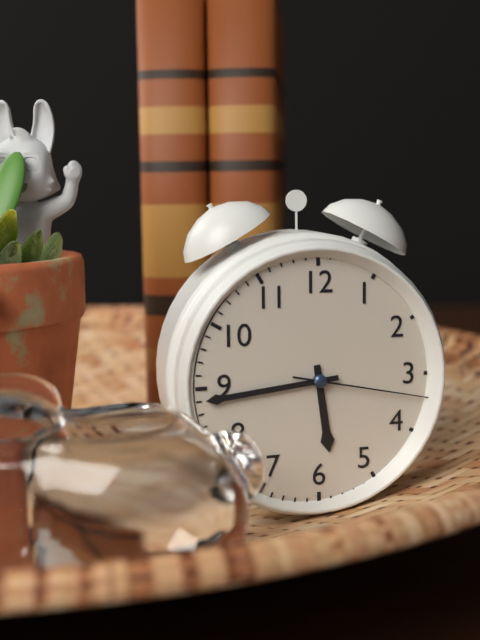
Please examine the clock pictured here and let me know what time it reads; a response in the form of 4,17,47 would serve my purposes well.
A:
5,44,17
